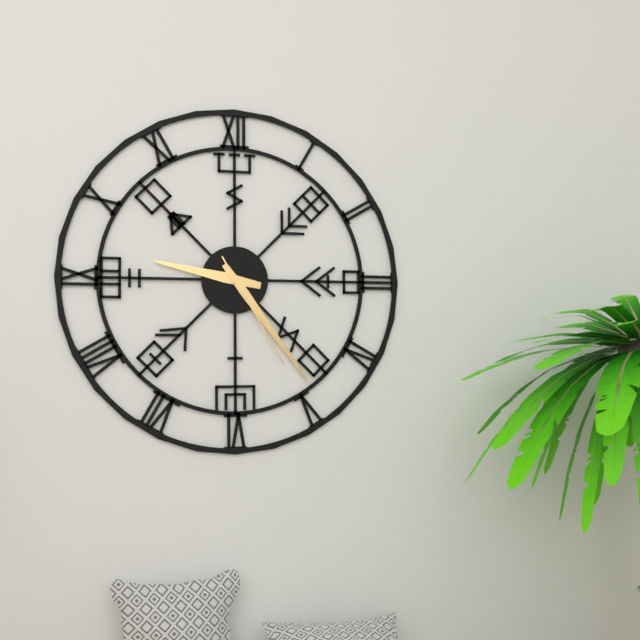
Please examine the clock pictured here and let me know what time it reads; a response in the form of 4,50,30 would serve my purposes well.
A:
9,24,25
